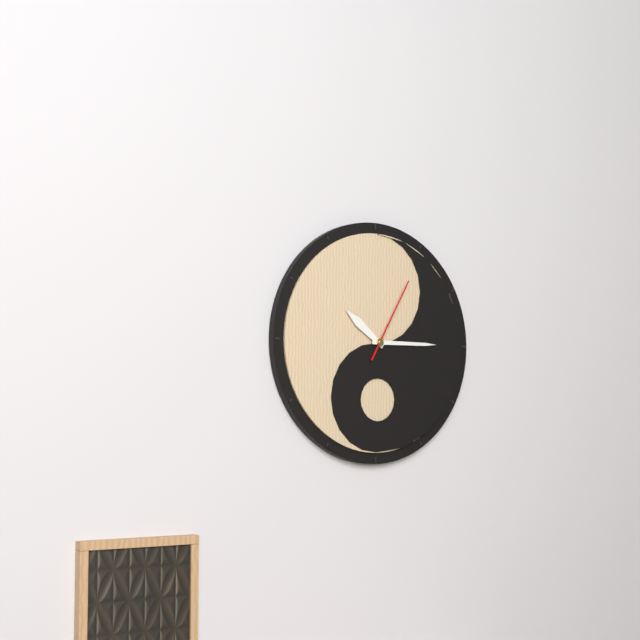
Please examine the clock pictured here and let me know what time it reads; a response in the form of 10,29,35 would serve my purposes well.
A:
10,15,05
